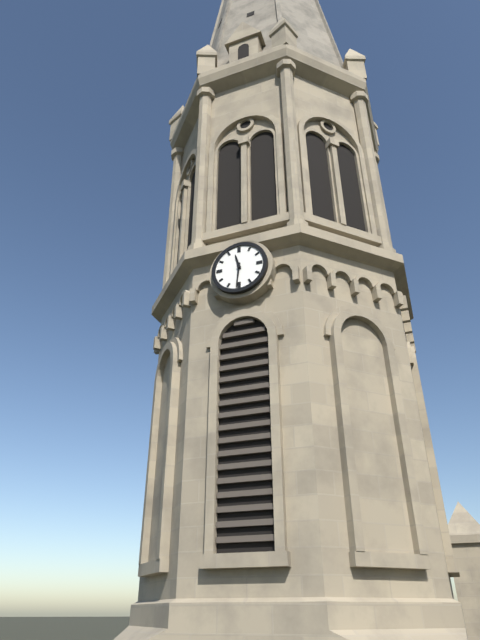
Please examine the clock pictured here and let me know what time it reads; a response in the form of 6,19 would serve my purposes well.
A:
11,31
